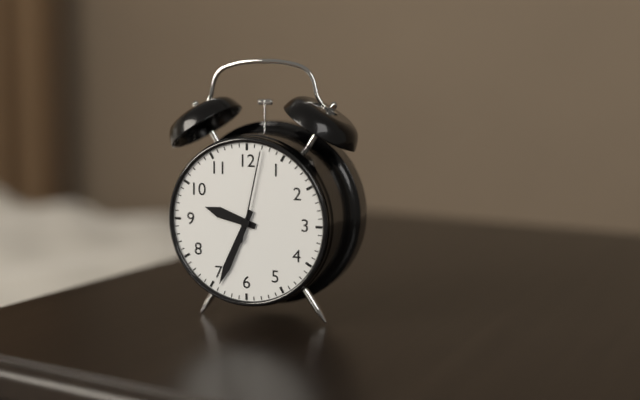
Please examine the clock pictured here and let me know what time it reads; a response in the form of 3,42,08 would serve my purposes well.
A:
9,34,02
